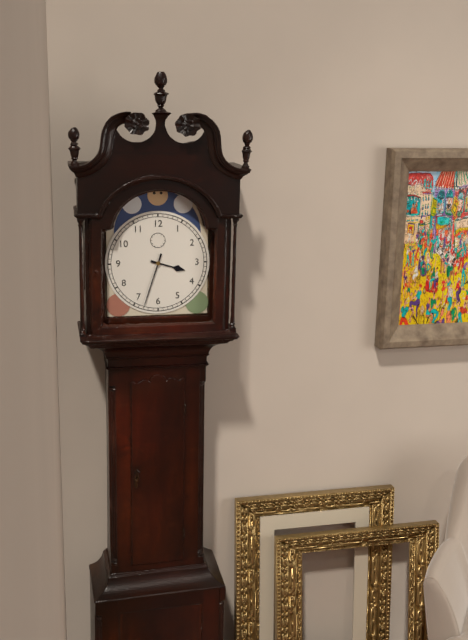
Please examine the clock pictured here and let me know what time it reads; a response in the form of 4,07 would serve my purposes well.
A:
3,33
